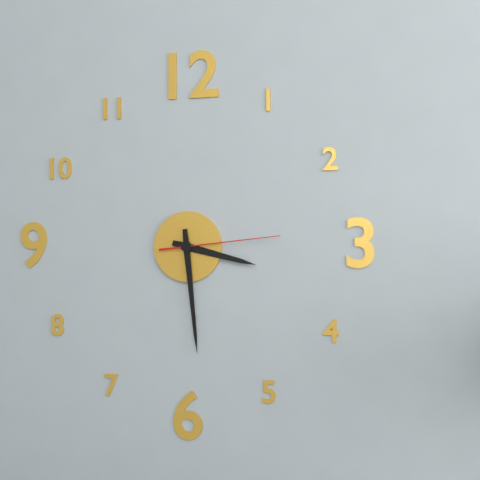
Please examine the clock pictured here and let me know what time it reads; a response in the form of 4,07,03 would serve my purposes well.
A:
3,29,14
